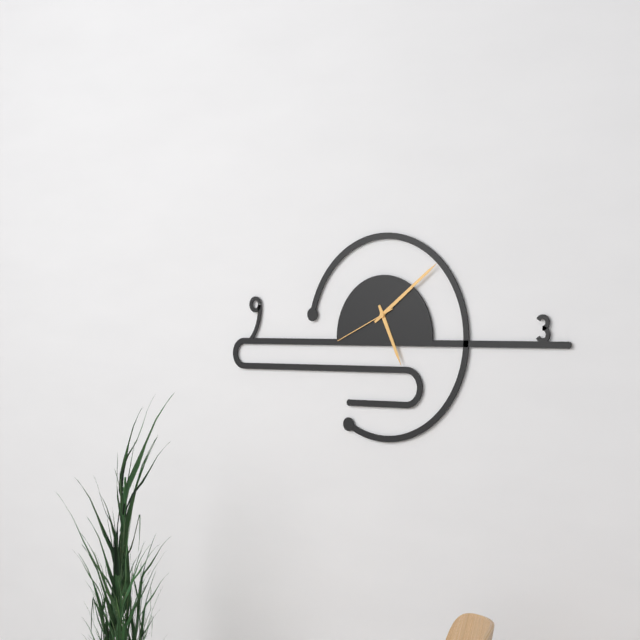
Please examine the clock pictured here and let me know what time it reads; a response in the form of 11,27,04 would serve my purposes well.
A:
5,09,41
